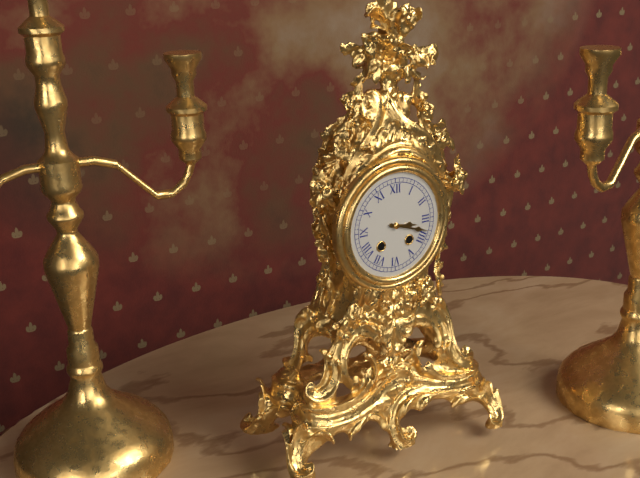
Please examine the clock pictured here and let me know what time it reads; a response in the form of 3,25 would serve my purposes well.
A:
3,18
